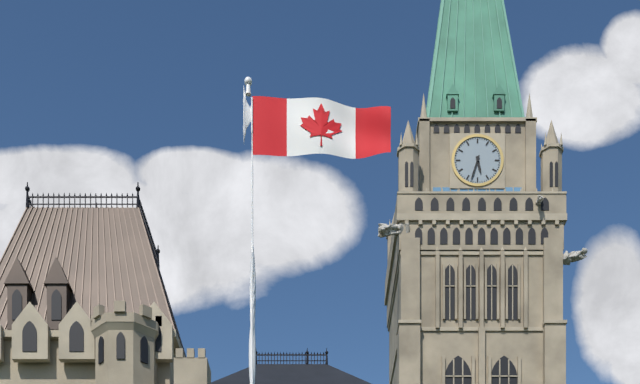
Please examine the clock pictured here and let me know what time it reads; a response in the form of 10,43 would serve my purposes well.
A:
5,33
